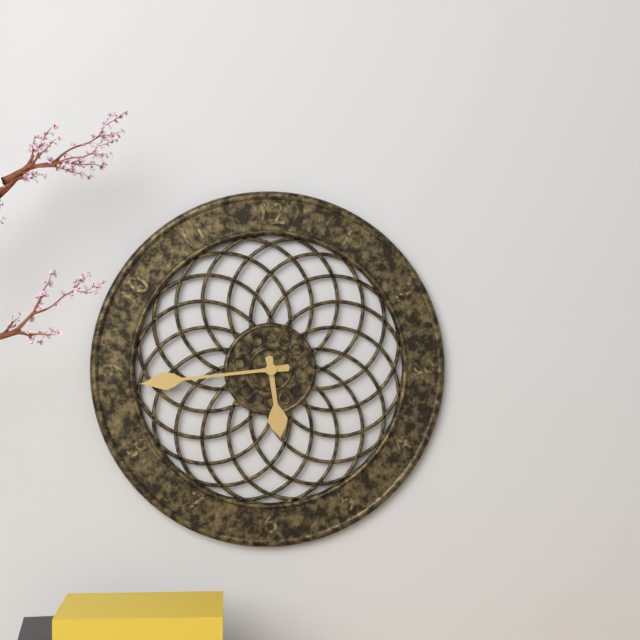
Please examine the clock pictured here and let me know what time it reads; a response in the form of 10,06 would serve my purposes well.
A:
5,44
